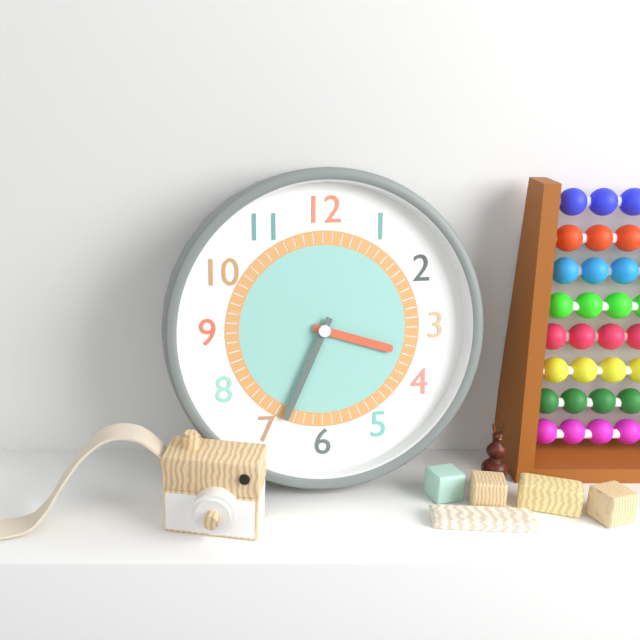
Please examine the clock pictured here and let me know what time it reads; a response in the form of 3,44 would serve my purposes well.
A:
3,34
